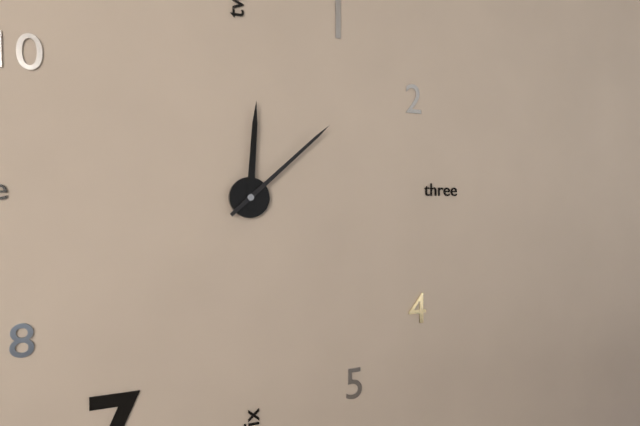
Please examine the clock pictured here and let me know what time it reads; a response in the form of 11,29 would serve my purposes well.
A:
12,08
